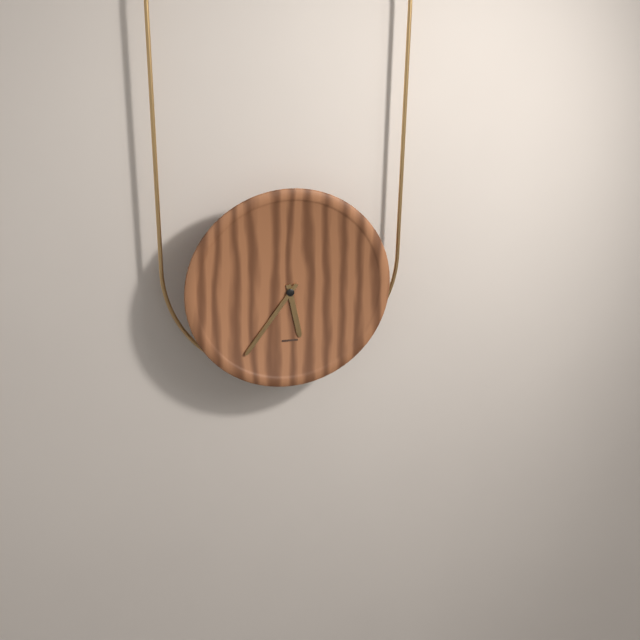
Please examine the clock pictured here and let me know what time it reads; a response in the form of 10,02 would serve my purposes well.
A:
5,36
